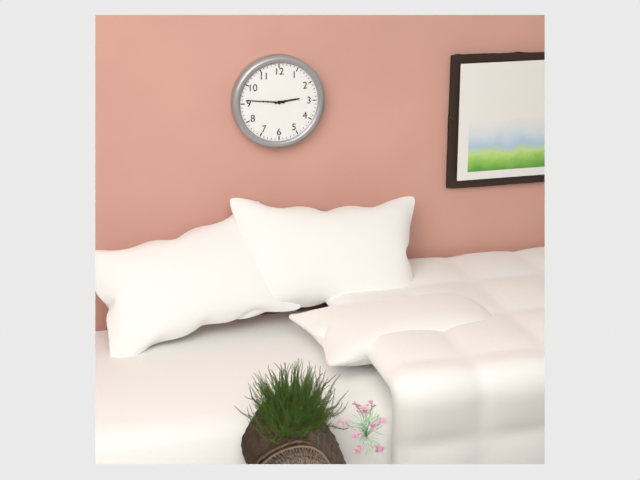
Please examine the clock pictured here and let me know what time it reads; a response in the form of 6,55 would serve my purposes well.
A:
2,46
